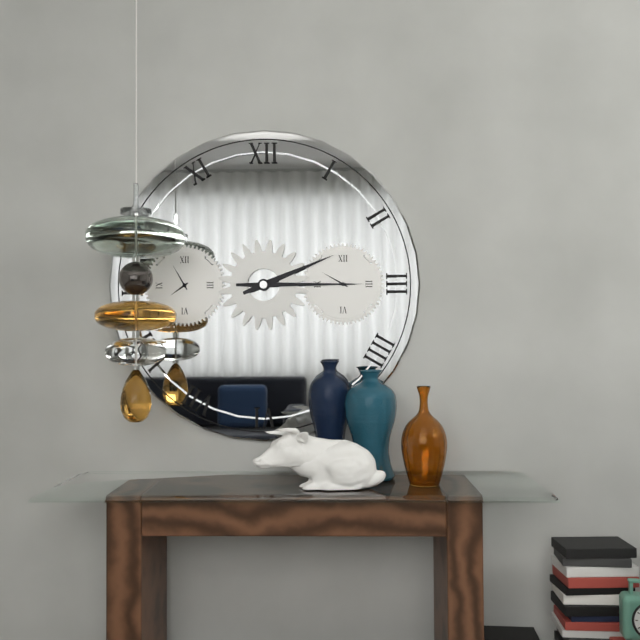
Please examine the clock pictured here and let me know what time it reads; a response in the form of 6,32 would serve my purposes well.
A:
2,15
